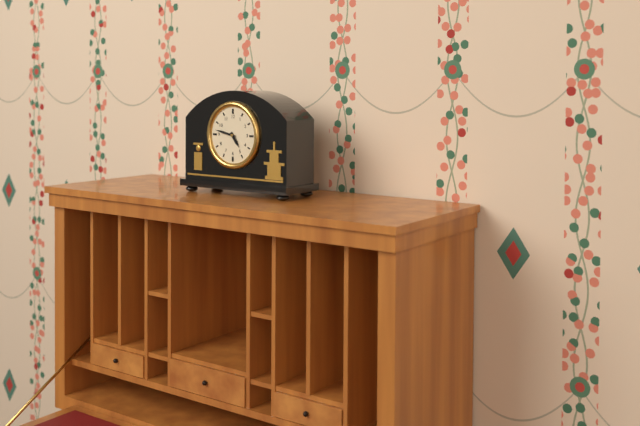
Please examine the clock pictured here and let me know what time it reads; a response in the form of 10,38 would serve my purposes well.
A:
4,47
